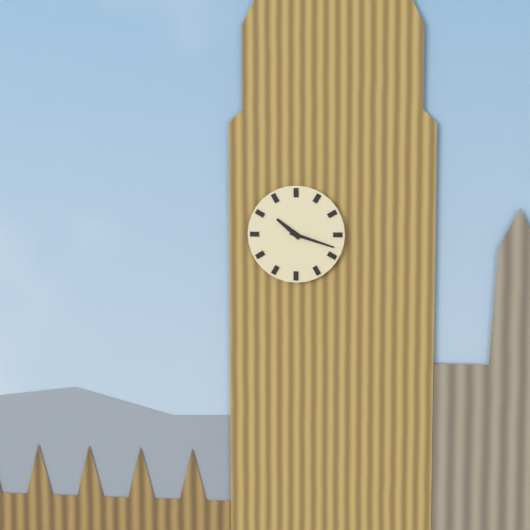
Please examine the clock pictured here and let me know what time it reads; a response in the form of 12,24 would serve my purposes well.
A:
10,18
